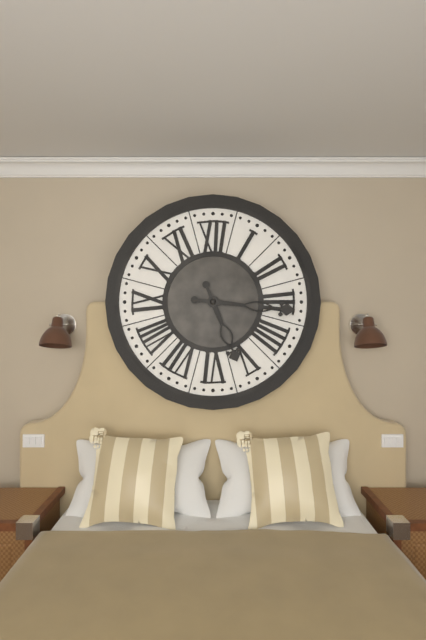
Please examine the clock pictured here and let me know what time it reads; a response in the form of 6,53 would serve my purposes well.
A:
5,16
